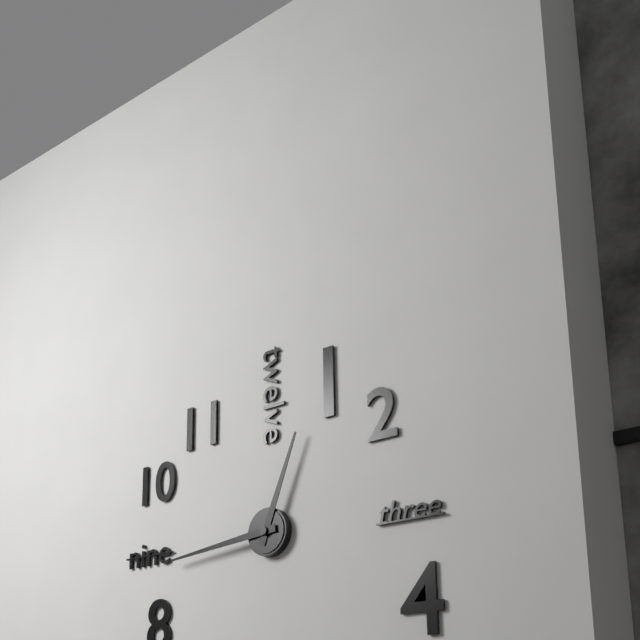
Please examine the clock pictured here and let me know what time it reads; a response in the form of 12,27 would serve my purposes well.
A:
12,44
